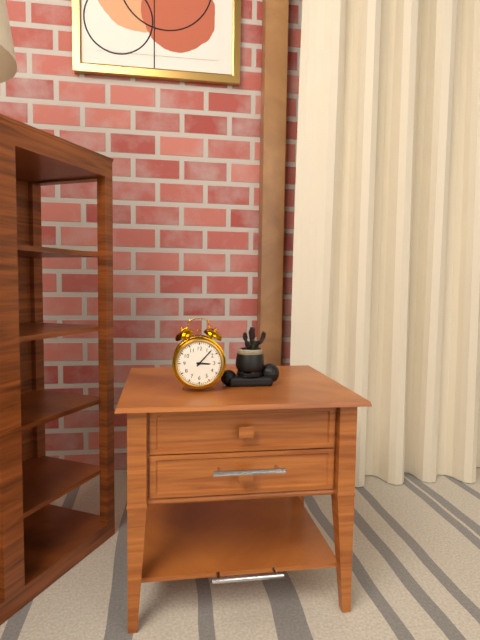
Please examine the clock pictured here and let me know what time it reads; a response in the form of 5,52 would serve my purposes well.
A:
3,07
